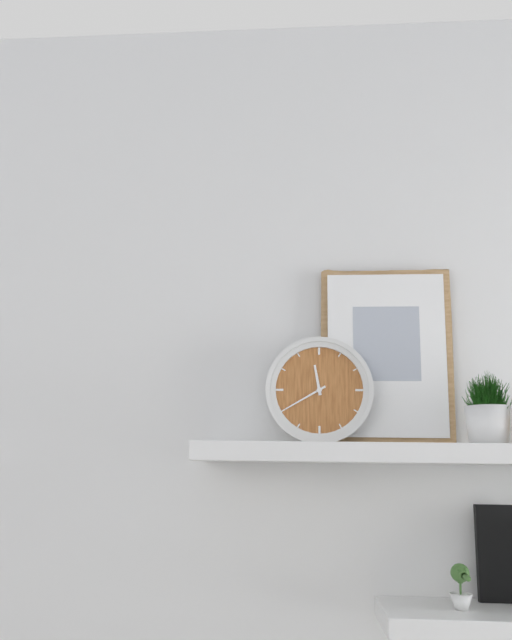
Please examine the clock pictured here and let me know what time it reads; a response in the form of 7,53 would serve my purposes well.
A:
11,40
